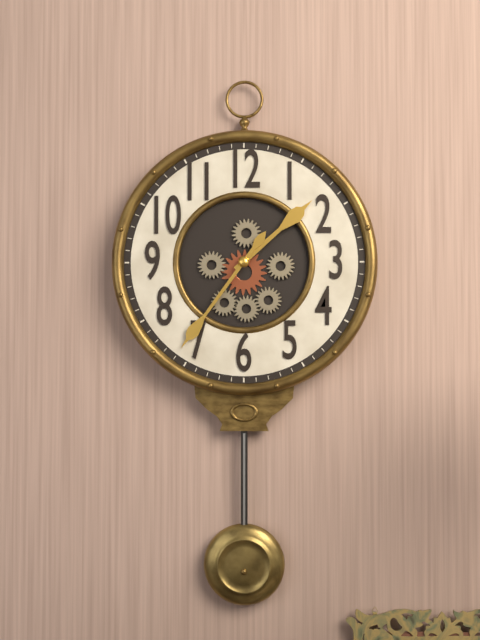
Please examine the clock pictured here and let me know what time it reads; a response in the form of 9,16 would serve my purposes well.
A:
1,36
